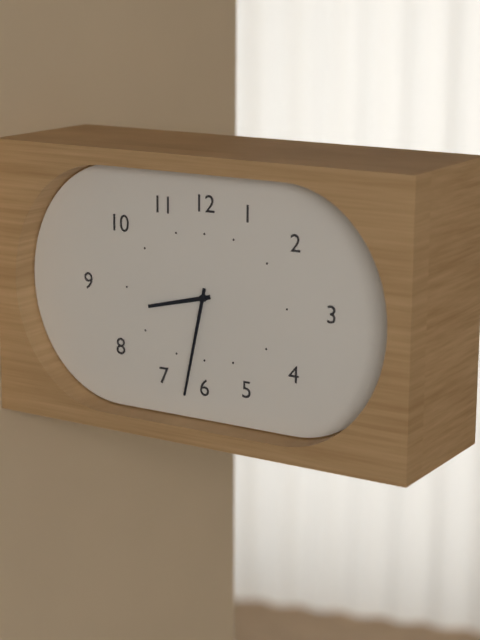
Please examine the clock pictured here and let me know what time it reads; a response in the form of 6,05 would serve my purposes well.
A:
8,32
